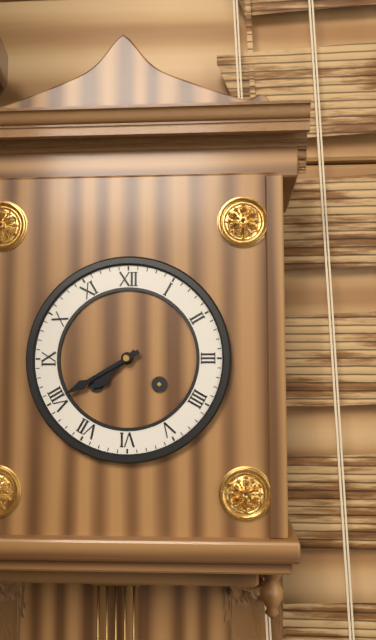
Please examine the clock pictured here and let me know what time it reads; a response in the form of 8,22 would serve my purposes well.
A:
7,40
